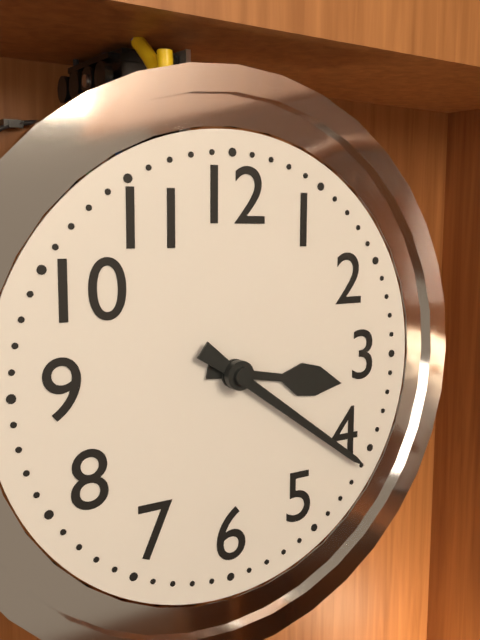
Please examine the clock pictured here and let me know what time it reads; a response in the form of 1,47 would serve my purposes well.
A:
3,21
